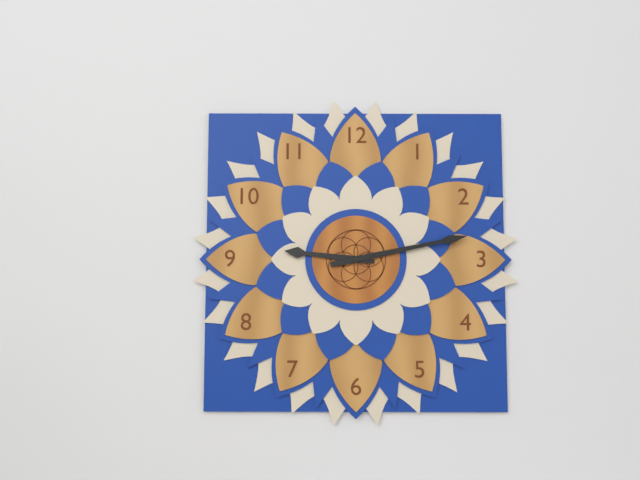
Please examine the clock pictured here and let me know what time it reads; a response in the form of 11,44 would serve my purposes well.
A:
9,13
